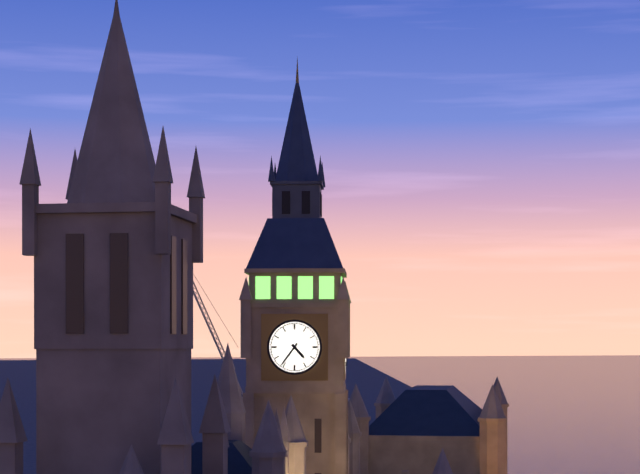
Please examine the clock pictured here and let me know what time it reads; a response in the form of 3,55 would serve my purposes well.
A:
4,36
